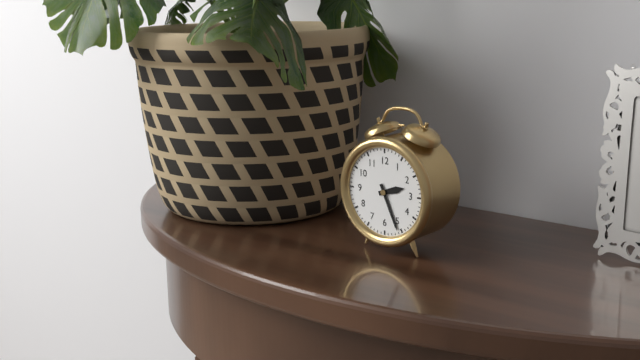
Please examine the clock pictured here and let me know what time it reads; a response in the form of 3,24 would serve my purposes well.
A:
2,26
